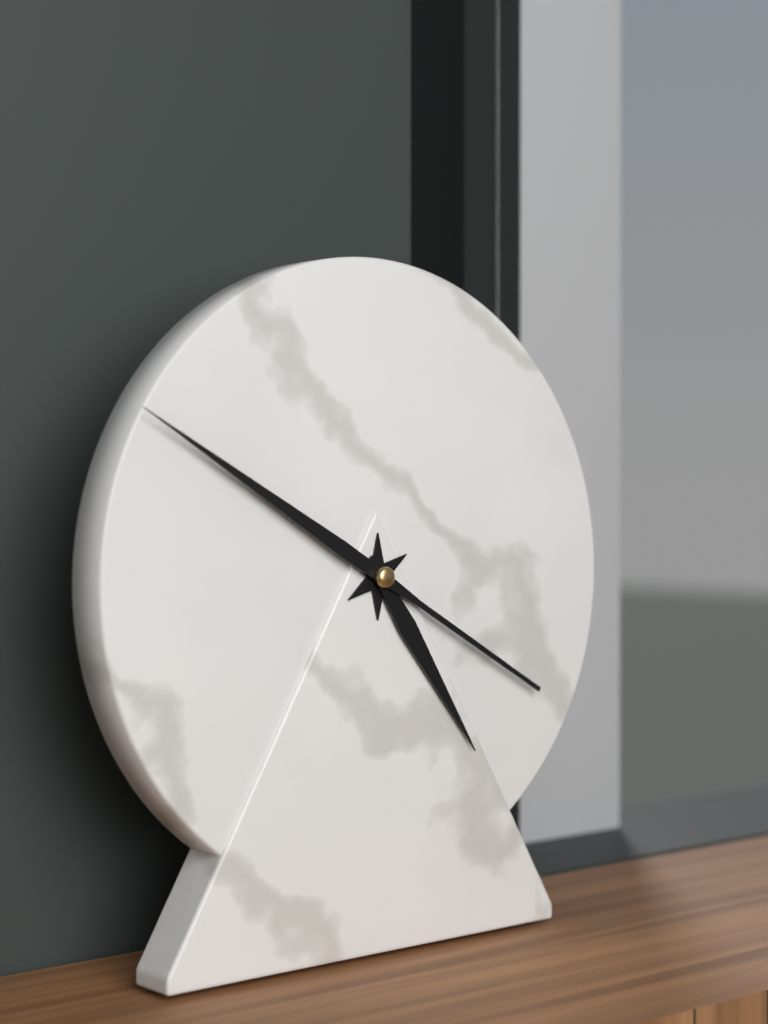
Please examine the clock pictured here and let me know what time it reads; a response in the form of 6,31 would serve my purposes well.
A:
4,50
